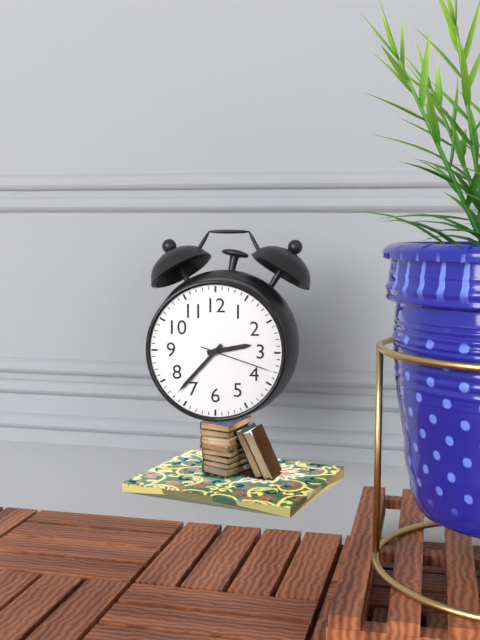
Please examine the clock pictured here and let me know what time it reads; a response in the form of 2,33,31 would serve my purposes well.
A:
2,37,18
